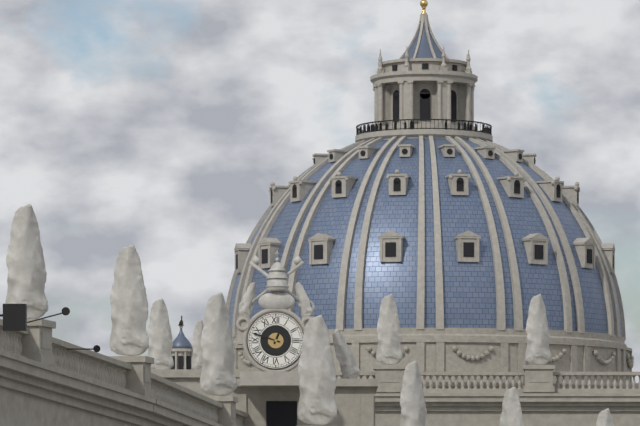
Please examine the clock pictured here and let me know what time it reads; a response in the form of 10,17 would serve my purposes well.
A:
12,48
